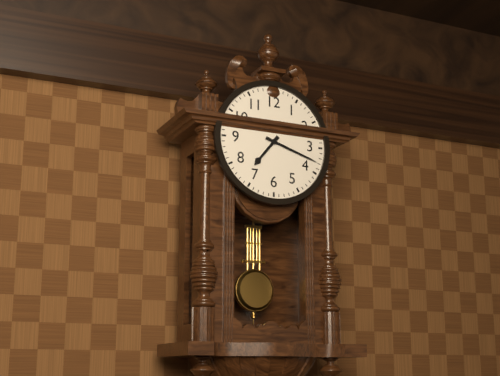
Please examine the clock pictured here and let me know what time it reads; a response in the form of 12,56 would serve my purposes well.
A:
7,18
